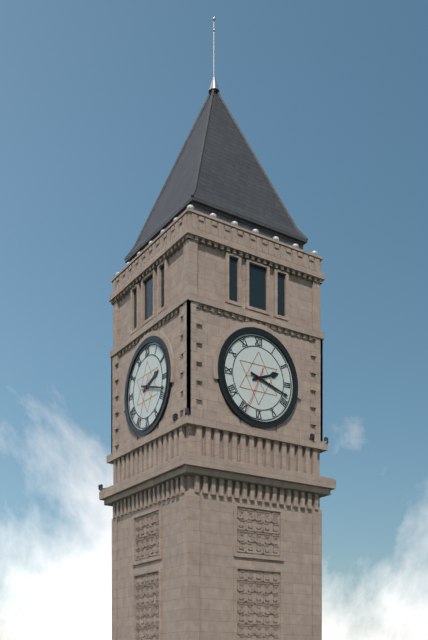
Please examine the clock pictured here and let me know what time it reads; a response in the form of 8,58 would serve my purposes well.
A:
2,18
